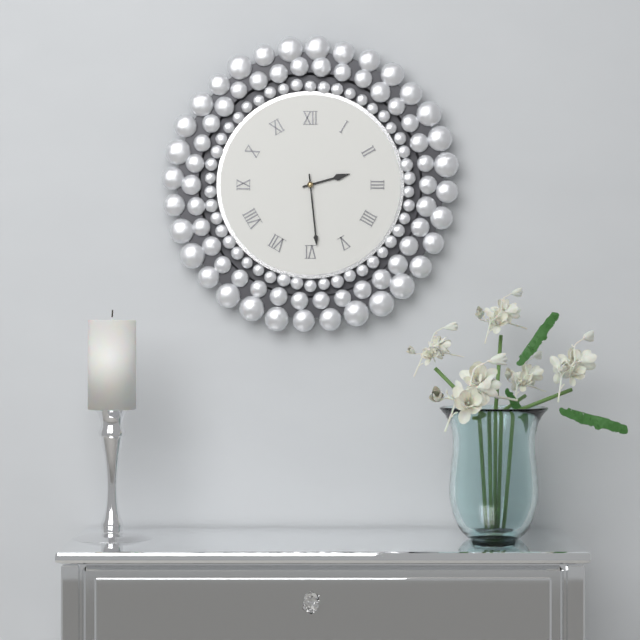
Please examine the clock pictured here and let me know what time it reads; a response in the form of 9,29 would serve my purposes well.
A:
2,29
